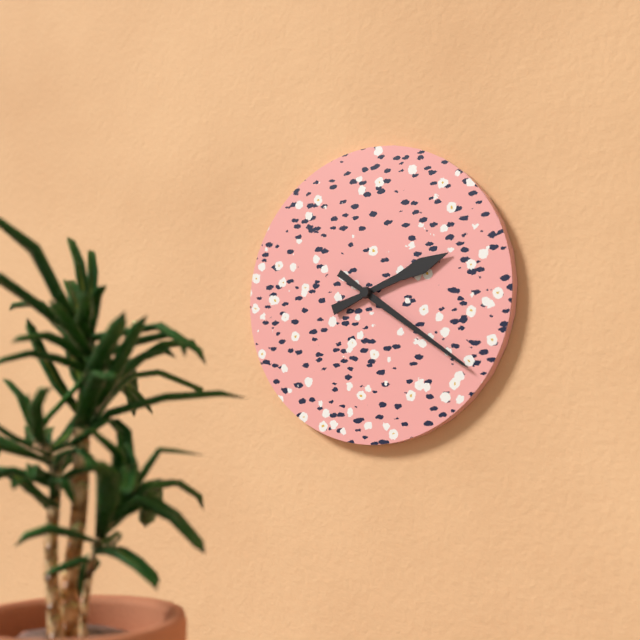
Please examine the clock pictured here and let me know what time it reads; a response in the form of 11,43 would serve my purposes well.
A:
2,21
